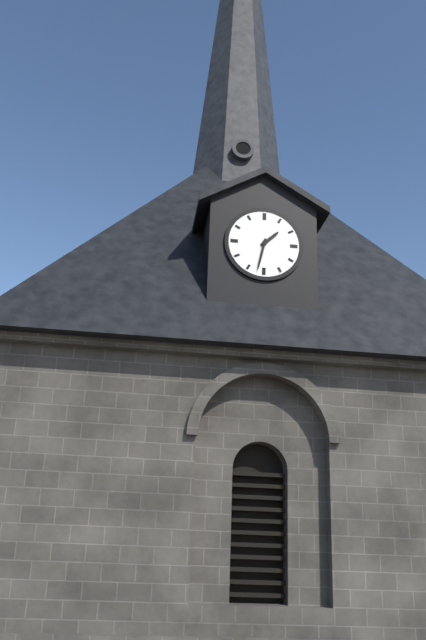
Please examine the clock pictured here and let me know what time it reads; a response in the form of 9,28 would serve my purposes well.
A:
1,32
